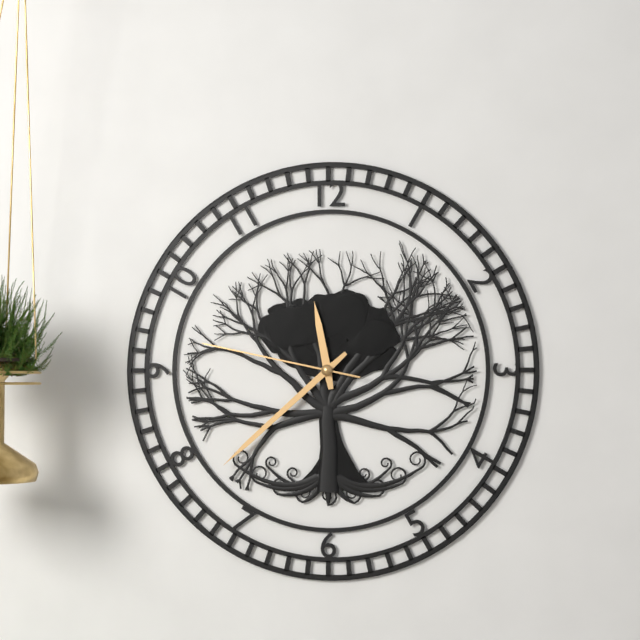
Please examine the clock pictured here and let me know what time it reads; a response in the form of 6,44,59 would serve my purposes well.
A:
11,38,47
